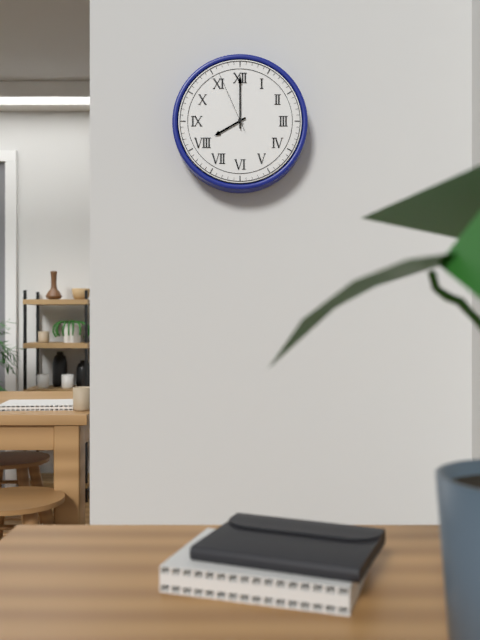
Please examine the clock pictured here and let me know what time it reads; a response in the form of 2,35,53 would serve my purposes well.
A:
8,00,56
